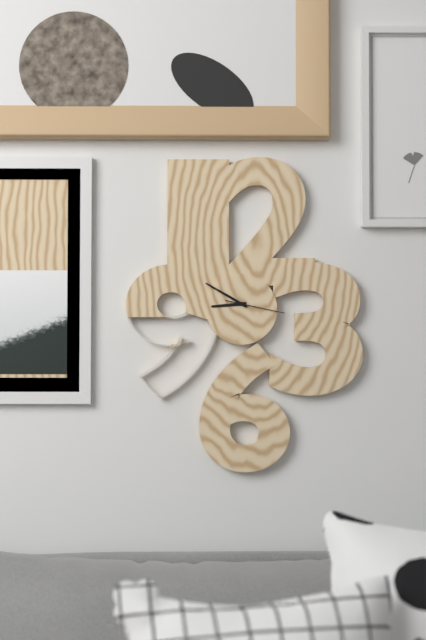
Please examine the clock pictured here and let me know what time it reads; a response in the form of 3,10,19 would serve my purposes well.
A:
8,50,17
